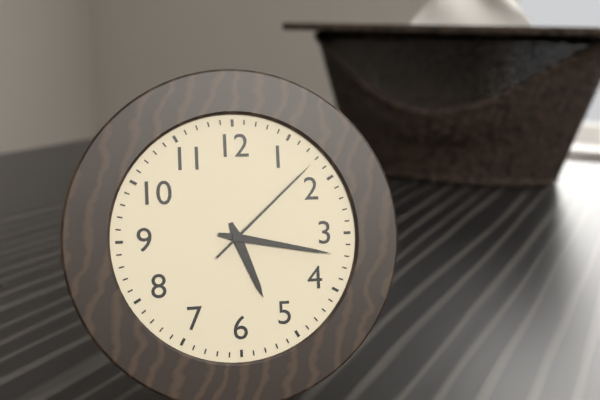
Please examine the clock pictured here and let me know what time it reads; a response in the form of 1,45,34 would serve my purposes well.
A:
5,17,08
